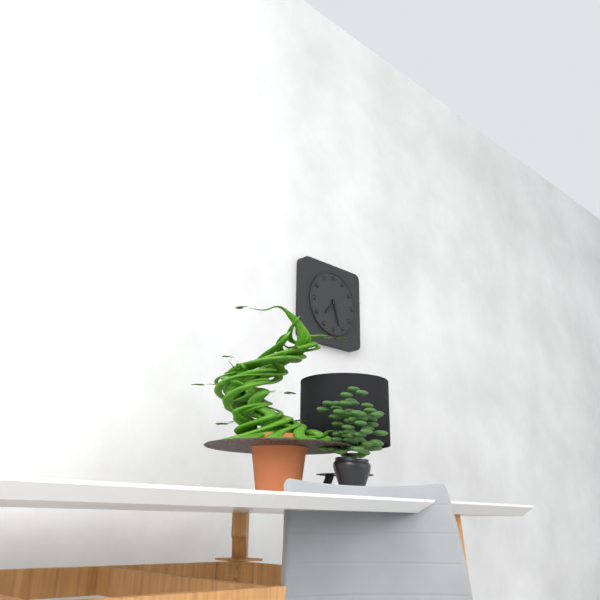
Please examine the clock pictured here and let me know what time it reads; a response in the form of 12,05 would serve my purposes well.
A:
7,27
